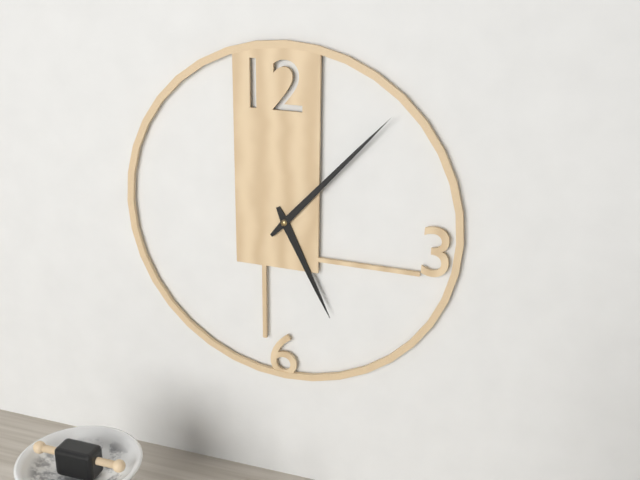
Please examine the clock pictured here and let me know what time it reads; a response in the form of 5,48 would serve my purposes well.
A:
5,07
